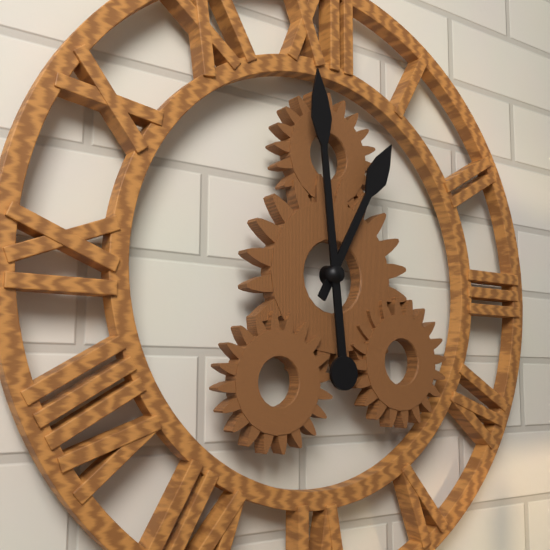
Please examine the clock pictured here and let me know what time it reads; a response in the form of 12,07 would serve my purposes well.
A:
12,59
